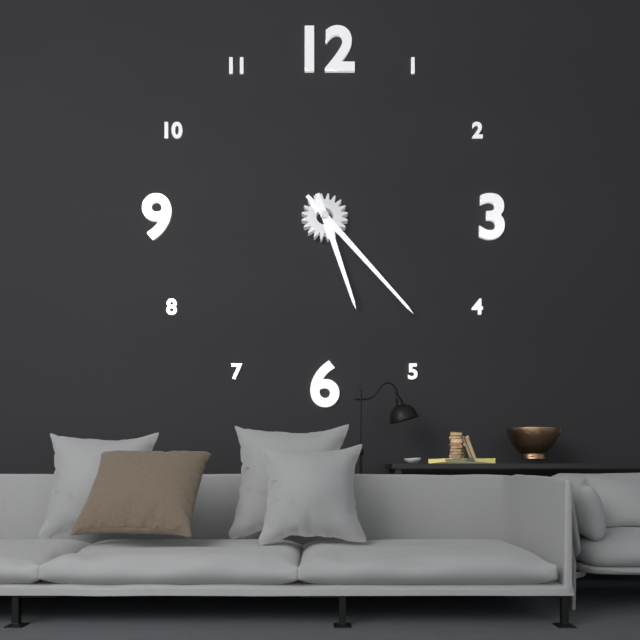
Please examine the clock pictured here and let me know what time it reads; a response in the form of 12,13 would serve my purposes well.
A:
5,23
